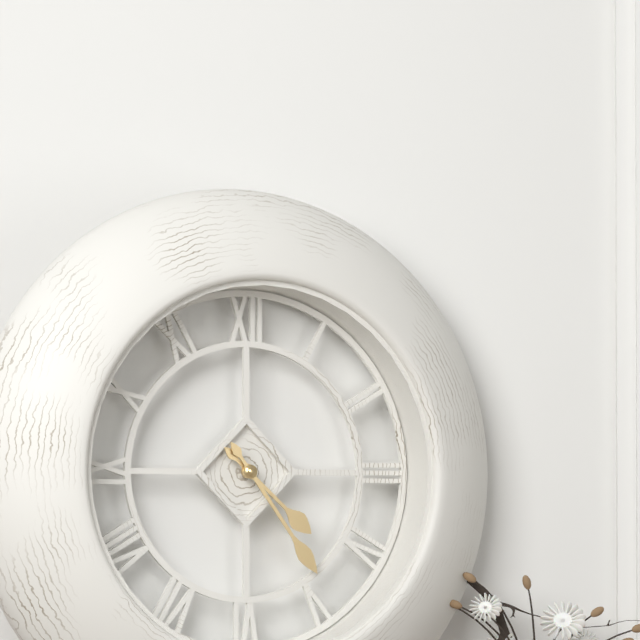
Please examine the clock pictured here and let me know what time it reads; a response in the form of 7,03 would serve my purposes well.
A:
4,24
